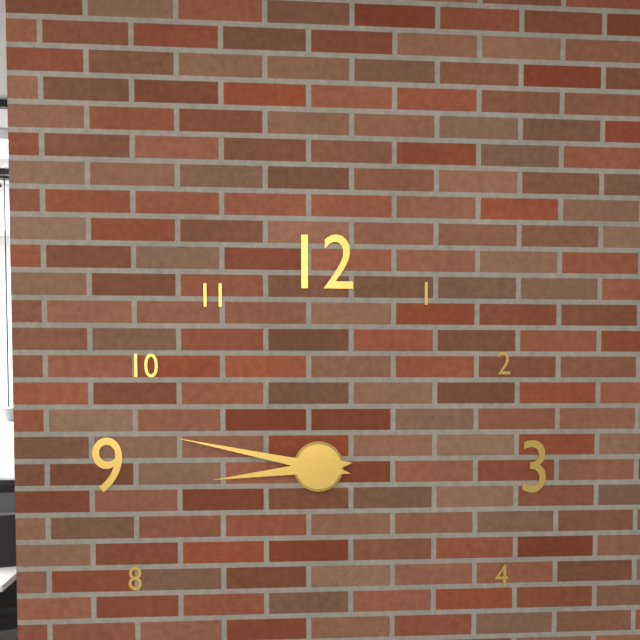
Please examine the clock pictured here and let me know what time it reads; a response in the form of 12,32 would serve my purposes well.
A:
8,47
